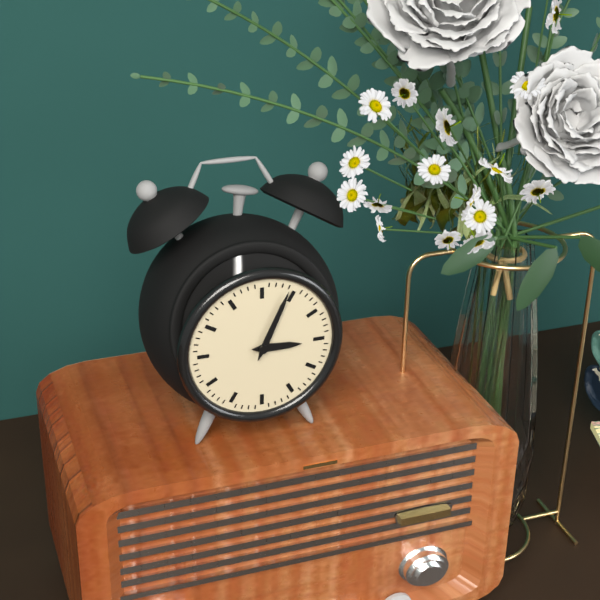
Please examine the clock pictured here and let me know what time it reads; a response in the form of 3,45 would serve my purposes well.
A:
3,04
